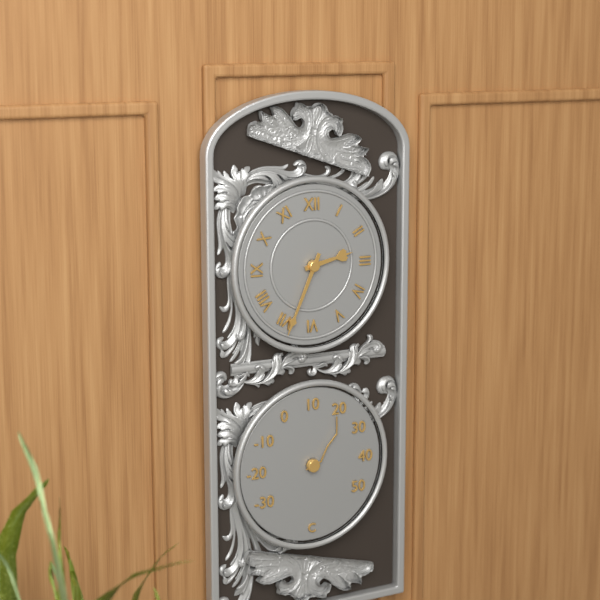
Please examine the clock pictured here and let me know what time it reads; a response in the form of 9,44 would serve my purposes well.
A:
2,34
